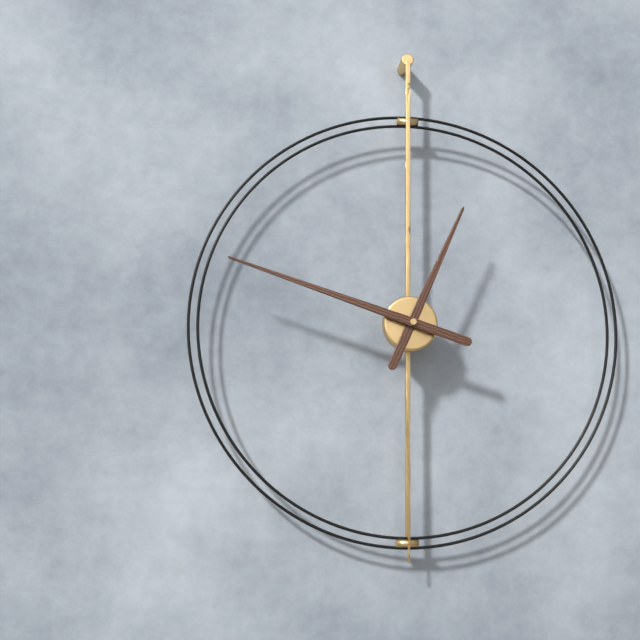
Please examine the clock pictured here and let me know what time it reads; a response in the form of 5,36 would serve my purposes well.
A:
12,48
